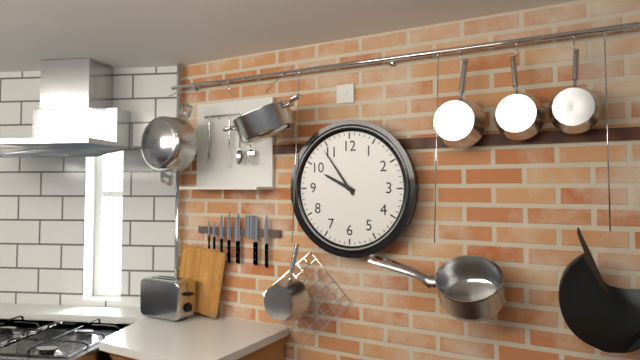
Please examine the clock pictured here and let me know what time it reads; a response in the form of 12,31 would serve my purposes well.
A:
9,54
